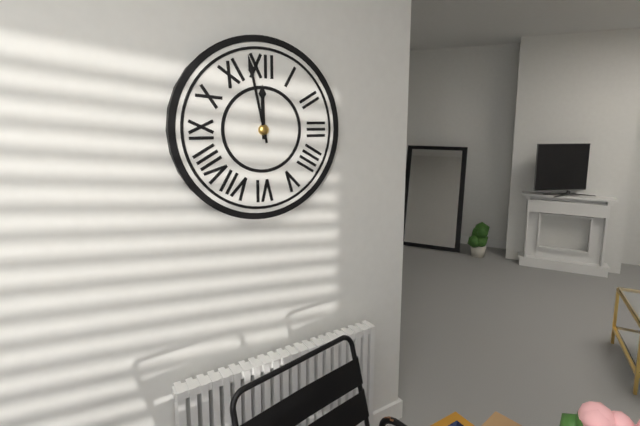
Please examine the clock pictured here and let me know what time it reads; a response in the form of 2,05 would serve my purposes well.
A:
11,58
